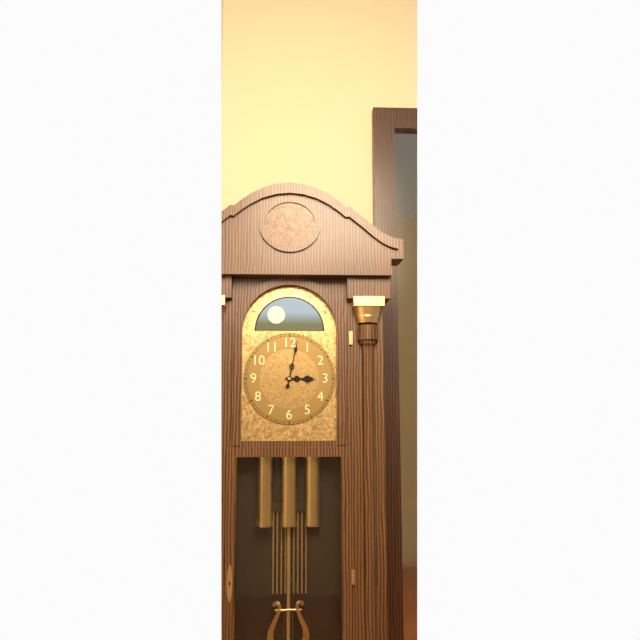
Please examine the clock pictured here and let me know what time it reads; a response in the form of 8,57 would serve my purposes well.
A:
3,02
